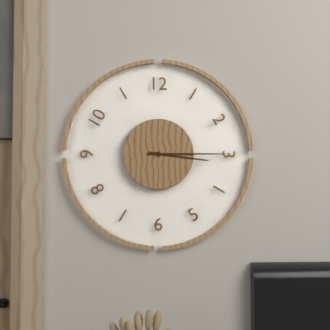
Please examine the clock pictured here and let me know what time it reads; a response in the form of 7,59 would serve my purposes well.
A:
3,15
